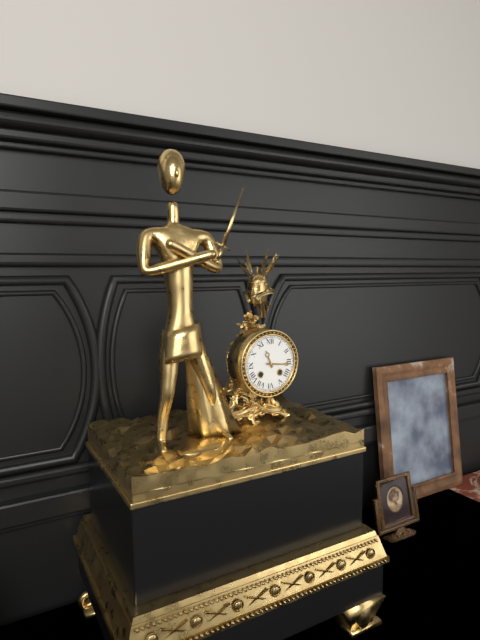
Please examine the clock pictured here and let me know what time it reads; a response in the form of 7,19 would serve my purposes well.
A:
11,16
